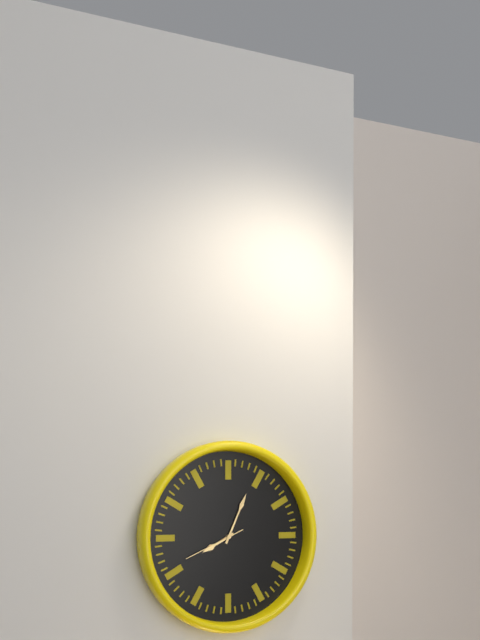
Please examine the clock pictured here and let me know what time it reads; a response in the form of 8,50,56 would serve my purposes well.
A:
8,04,41
